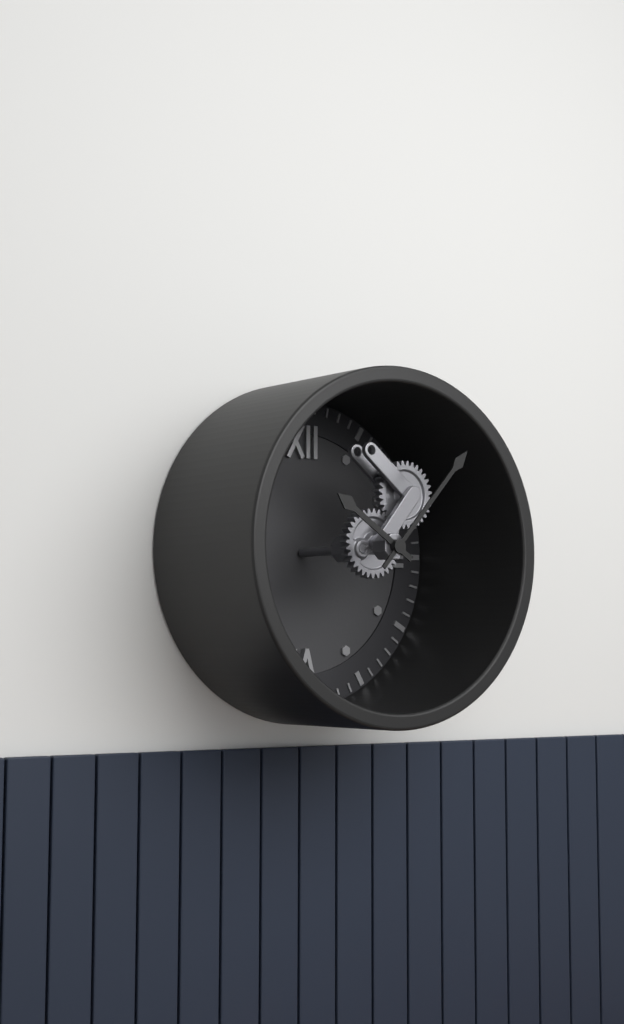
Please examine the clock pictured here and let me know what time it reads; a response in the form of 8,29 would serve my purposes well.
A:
10,07
